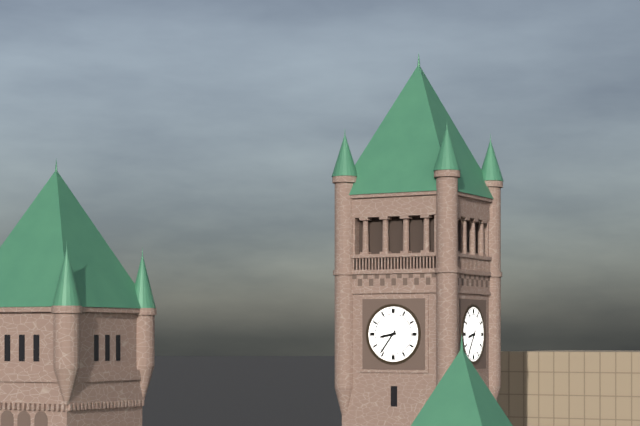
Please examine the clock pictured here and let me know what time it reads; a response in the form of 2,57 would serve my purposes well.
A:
8,36
